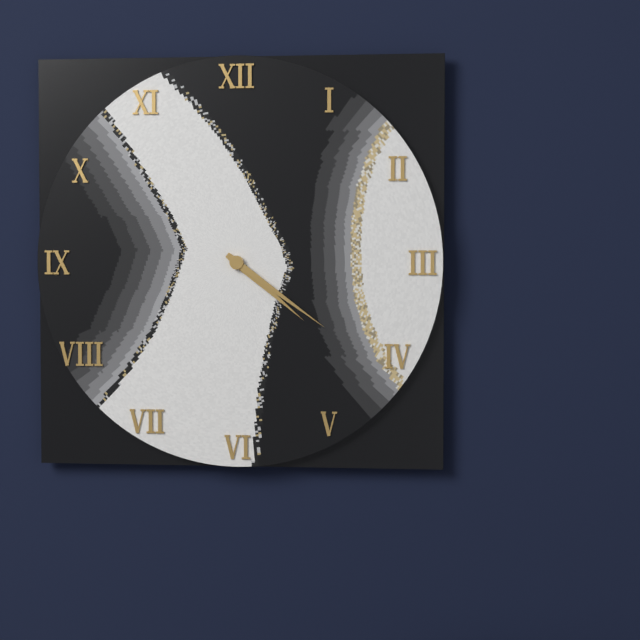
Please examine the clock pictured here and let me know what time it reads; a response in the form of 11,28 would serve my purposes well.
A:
4,21
